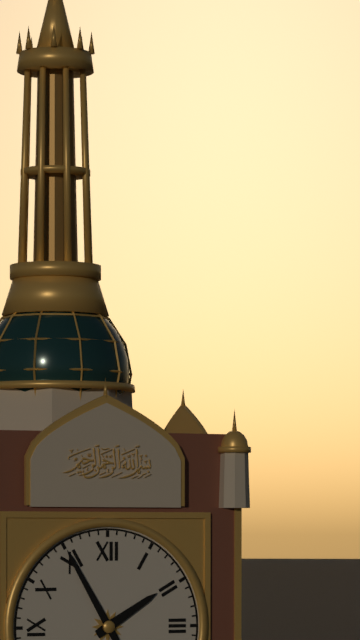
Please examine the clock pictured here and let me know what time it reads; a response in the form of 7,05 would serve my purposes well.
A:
1,55
